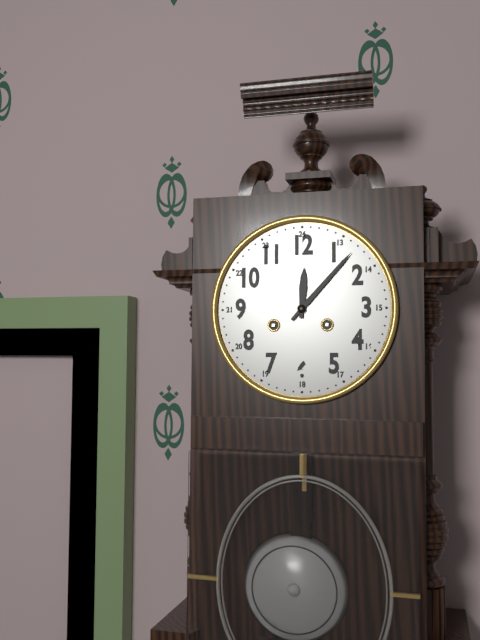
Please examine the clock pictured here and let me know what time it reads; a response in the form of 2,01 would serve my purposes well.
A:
12,07
